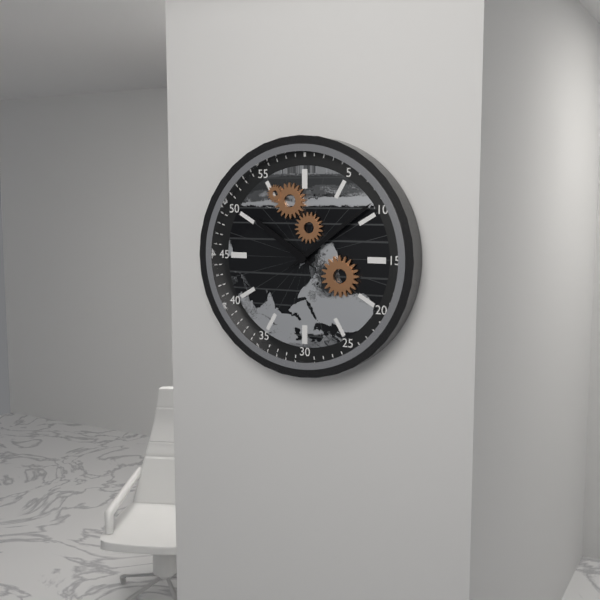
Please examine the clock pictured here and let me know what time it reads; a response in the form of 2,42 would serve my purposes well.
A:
10,09
